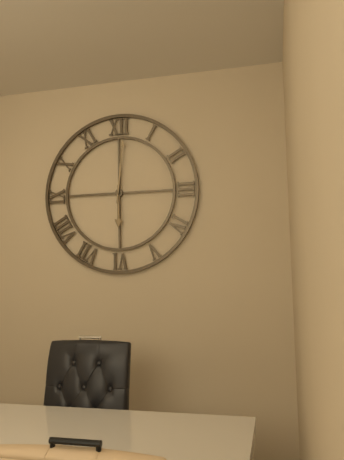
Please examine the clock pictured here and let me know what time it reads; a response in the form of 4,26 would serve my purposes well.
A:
6,01
